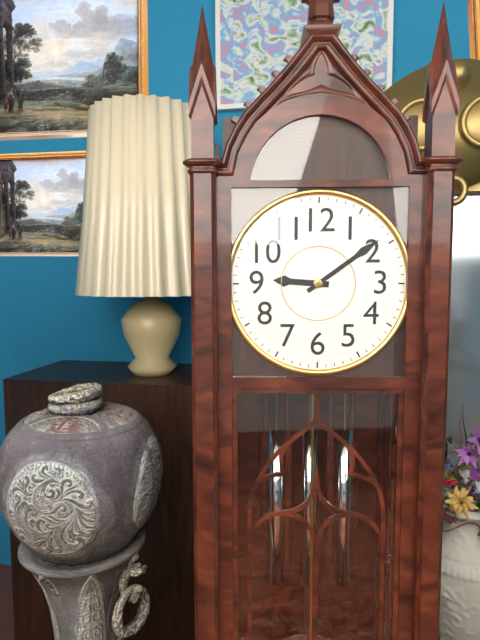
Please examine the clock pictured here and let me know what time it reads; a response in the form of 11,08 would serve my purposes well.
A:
9,09
